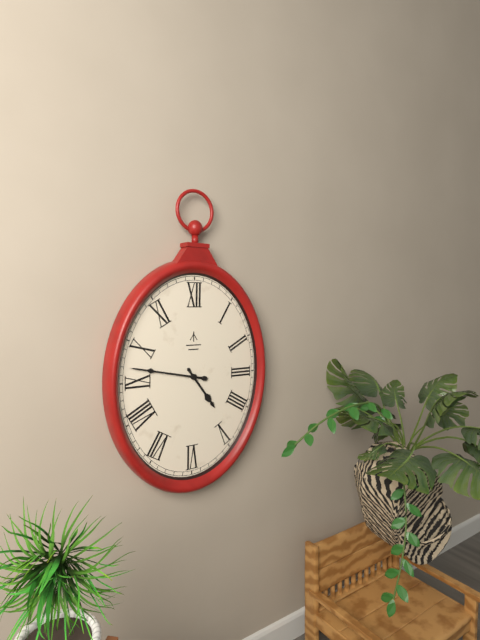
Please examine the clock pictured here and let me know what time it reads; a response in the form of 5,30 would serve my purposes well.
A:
4,47
